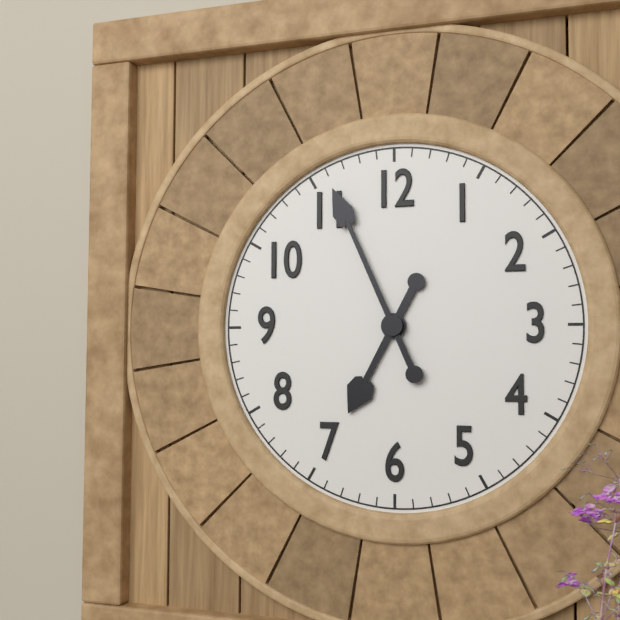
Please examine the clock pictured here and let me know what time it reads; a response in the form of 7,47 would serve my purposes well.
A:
6,56
